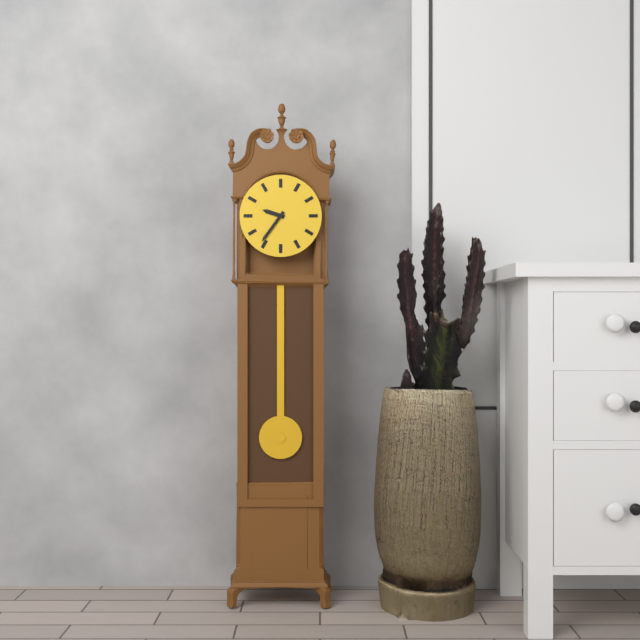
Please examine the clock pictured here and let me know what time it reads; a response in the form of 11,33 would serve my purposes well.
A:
9,36
